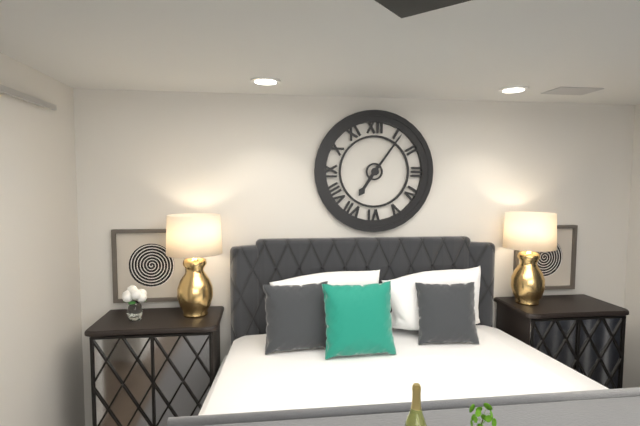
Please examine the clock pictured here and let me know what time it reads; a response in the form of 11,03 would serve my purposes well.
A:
7,06
